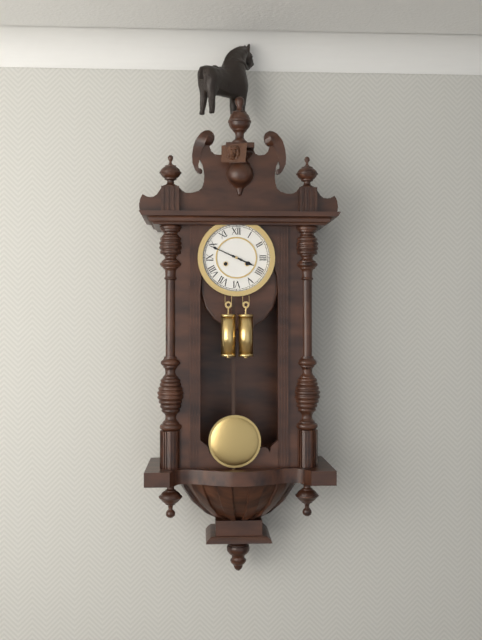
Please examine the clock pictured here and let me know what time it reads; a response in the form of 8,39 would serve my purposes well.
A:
3,49
